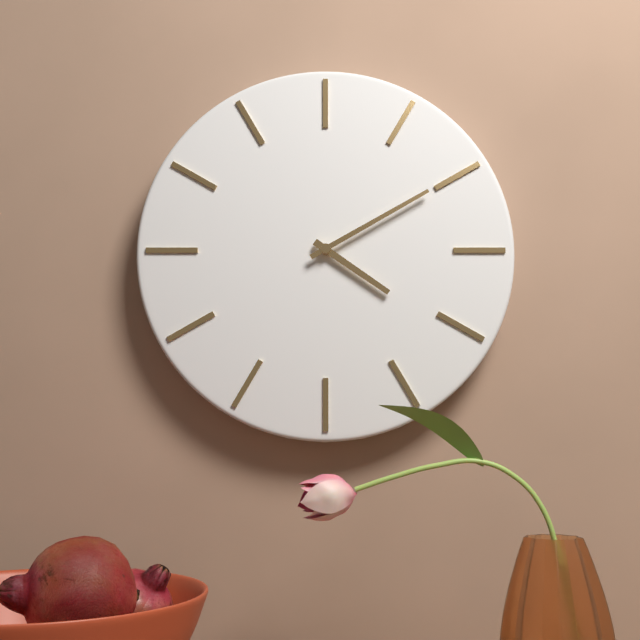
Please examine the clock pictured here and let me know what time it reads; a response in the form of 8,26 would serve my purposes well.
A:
4,10
